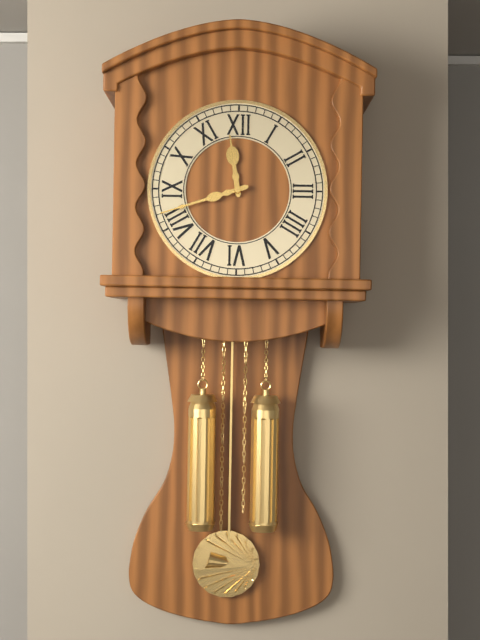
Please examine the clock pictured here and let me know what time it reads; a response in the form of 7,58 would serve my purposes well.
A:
11,42
